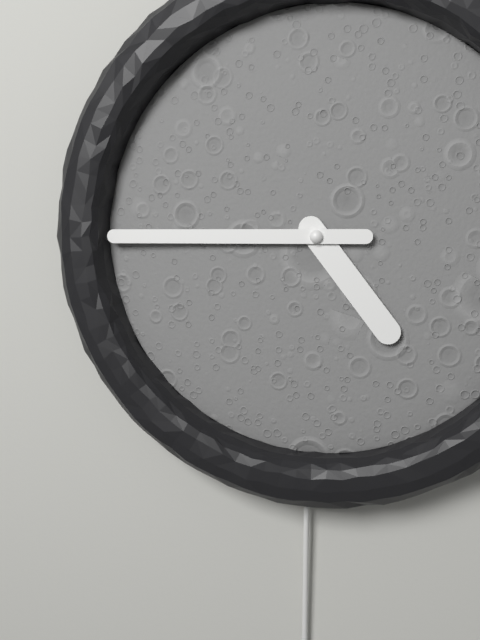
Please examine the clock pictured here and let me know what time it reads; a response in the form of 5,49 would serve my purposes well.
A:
4,45
